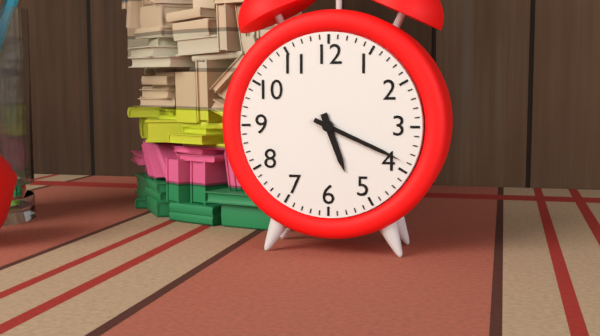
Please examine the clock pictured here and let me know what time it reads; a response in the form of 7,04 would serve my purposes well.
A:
5,19
